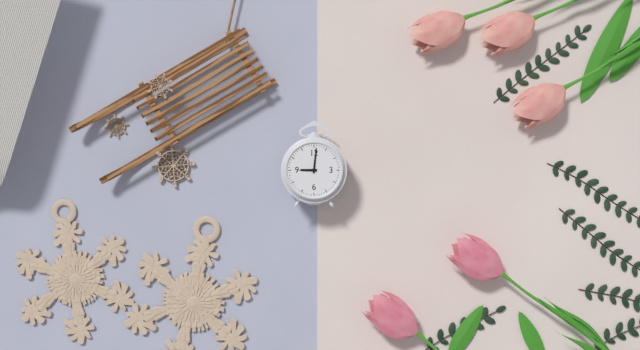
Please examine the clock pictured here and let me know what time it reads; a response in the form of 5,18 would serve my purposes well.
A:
9,01
